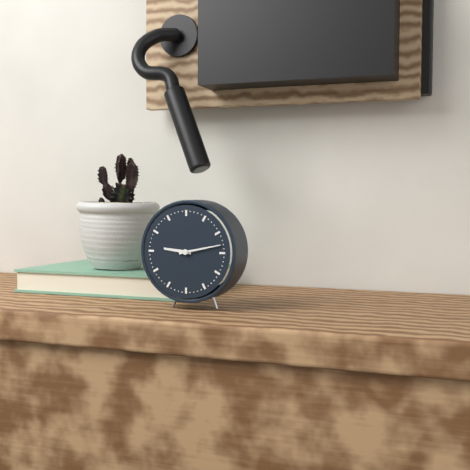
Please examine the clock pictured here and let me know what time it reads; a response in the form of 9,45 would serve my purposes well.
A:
9,13
